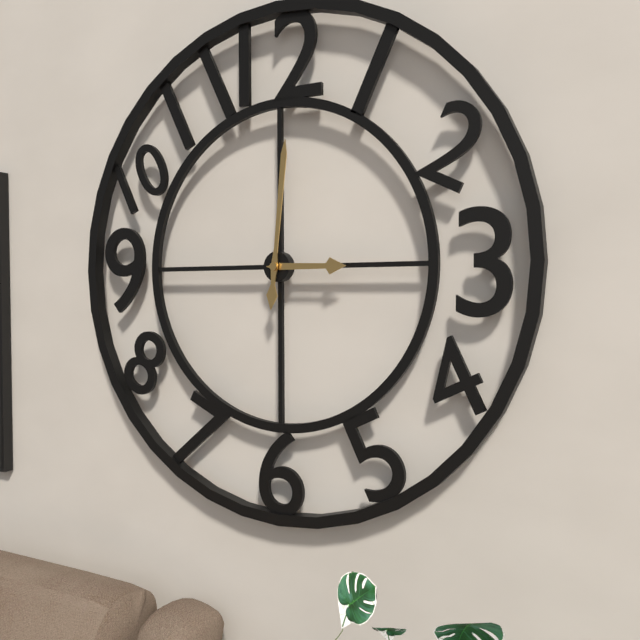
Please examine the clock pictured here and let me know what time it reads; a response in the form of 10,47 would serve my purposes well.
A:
3,01
